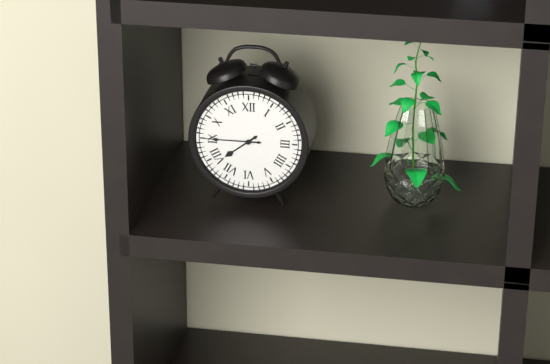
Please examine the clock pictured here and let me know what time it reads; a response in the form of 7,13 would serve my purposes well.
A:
7,45
